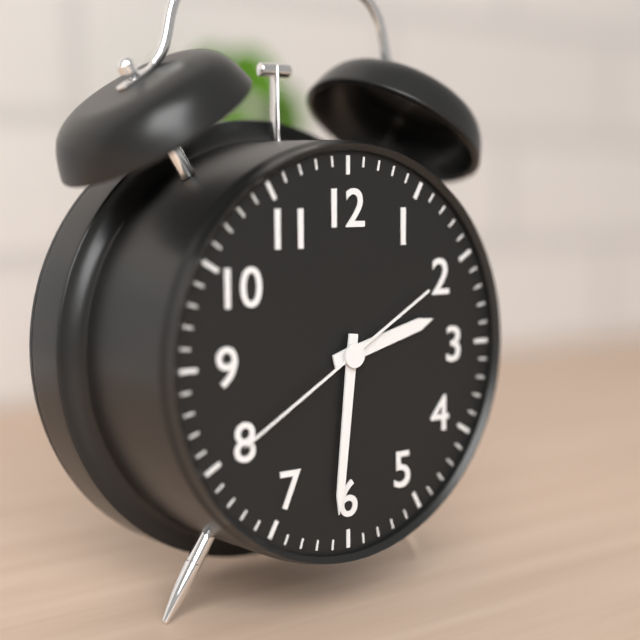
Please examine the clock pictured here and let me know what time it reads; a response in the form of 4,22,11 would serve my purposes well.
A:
2,31,40
